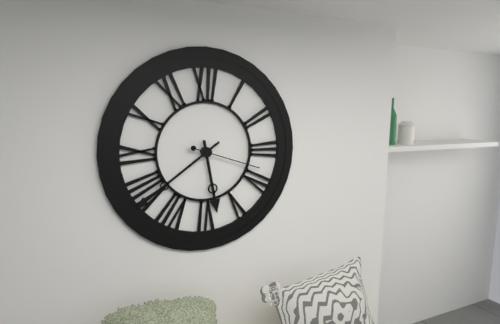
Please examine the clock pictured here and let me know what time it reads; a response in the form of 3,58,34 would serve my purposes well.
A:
5,39,18
